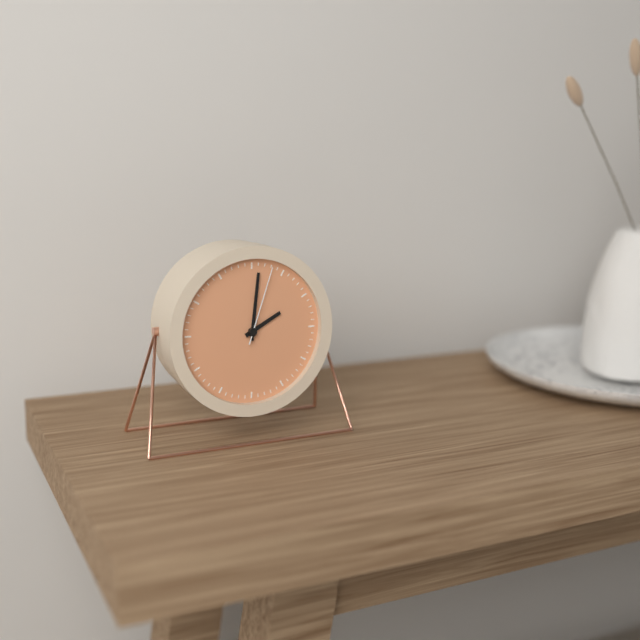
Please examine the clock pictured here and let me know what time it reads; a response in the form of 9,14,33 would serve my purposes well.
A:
2,01,03
